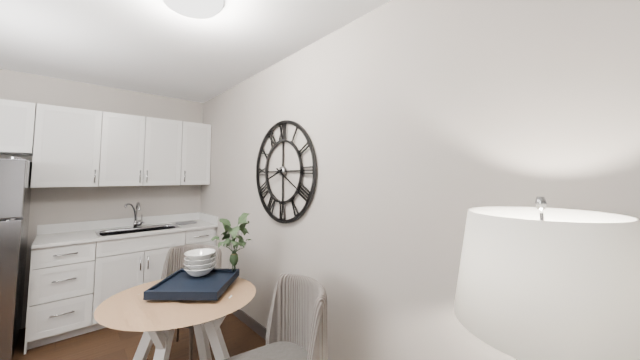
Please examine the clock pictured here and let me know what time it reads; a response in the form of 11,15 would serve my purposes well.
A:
8,20
